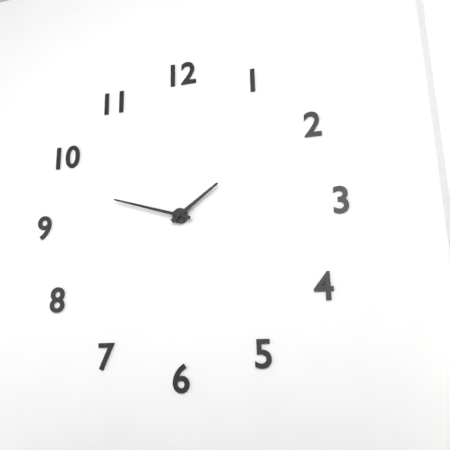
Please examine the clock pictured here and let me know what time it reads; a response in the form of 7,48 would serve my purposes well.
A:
1,48
